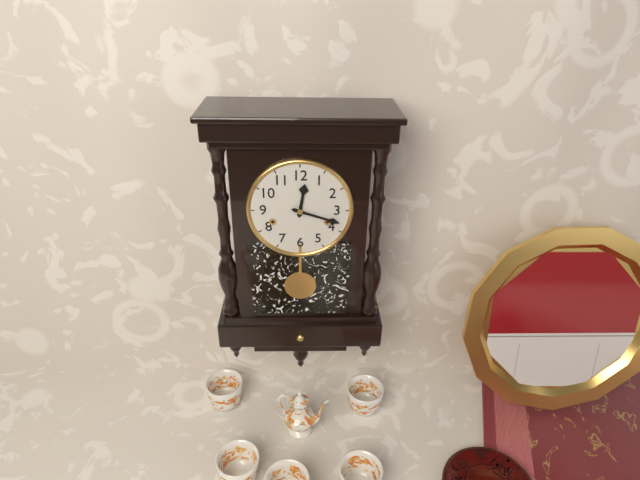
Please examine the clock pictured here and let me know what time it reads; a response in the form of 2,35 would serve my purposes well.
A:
12,18
